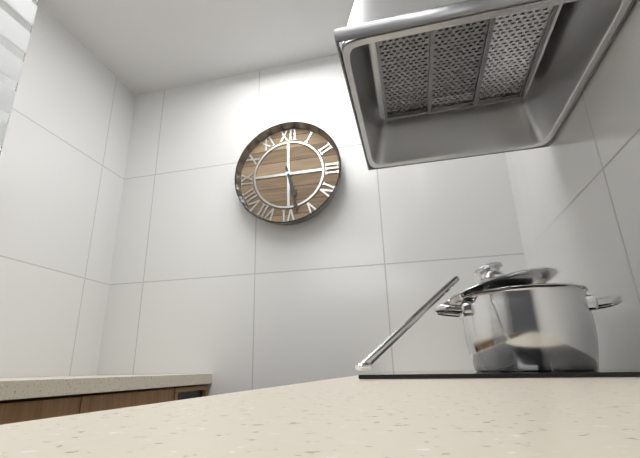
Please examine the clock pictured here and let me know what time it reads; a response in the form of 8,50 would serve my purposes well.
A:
5,28
